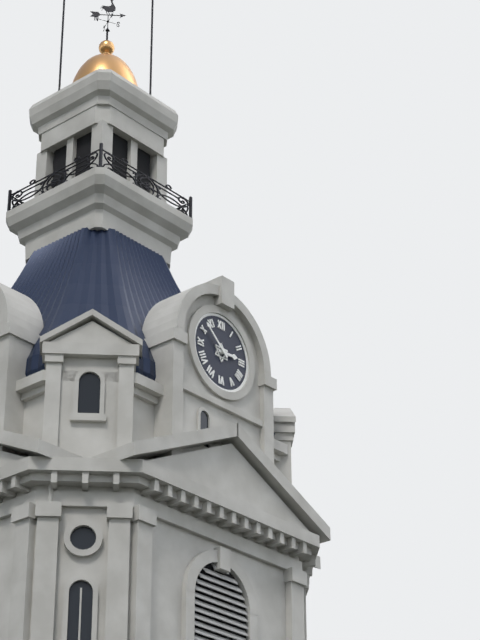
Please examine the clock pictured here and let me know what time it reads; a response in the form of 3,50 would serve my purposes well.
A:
2,52
